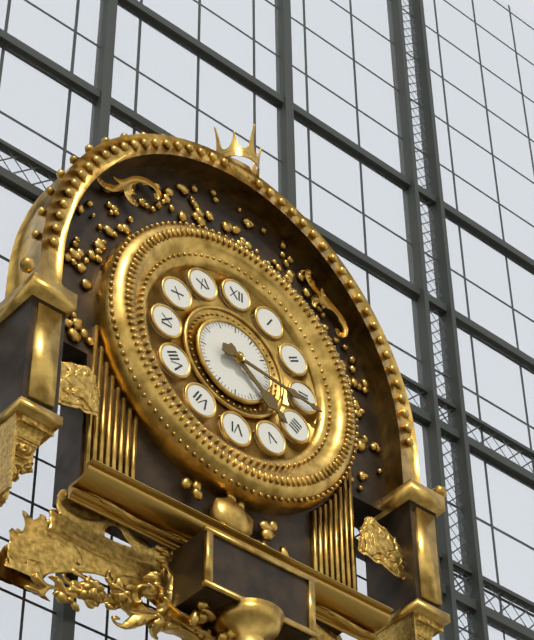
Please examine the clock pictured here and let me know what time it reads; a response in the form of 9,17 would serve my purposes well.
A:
4,16
